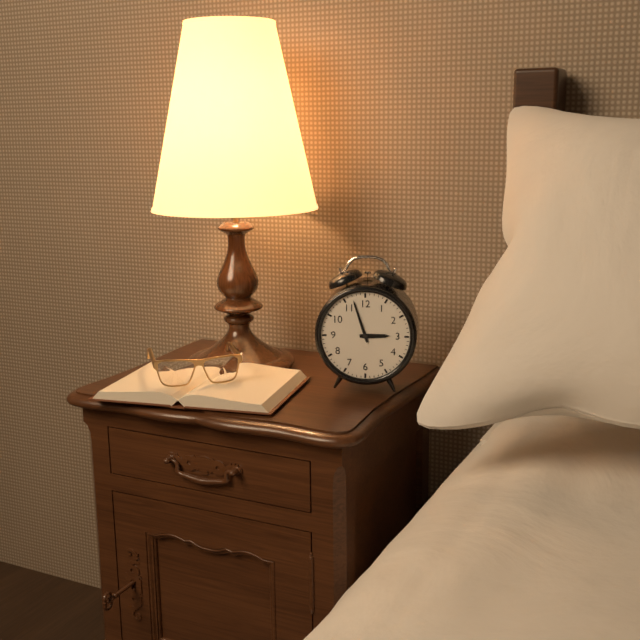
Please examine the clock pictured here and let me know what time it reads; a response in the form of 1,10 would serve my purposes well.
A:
2,57
